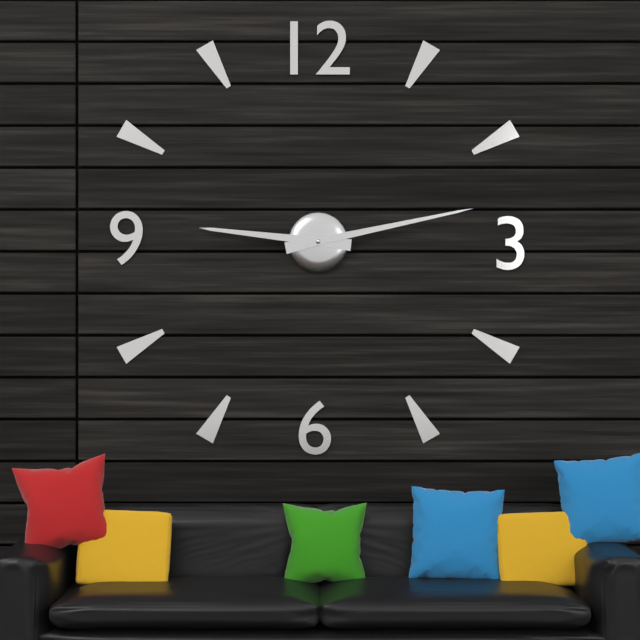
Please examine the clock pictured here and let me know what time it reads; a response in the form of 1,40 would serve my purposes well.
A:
9,13
